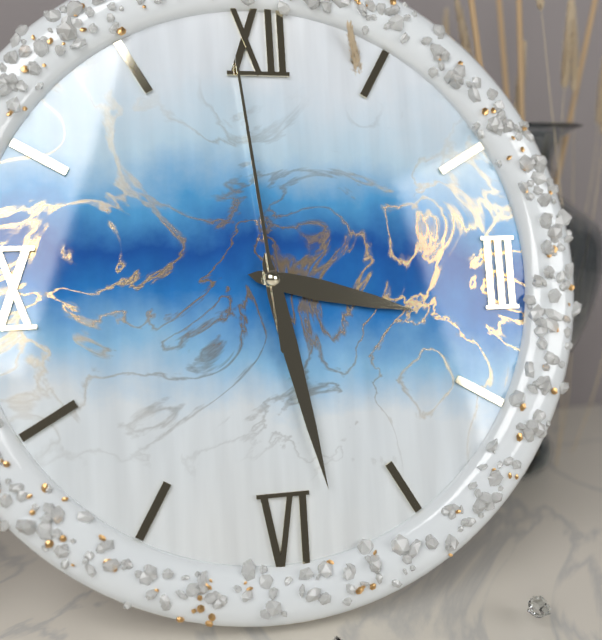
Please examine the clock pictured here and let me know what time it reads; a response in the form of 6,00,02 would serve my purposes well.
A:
3,28,59
